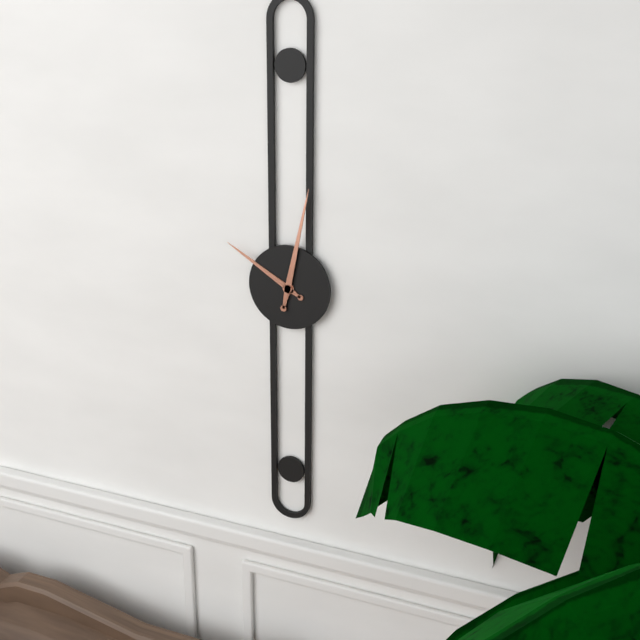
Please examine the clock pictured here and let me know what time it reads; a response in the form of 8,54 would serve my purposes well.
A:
10,02
